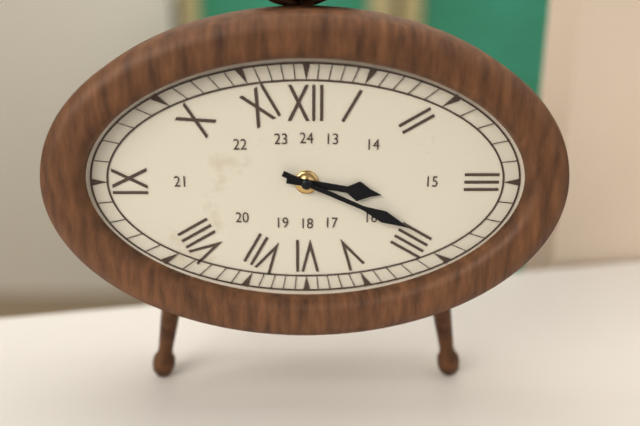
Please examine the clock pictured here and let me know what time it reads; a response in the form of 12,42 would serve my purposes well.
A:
3,19
